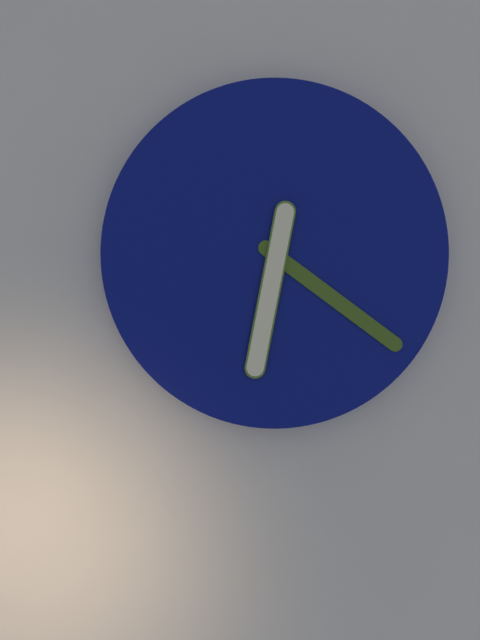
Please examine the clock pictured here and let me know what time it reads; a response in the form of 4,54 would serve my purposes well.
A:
6,21
